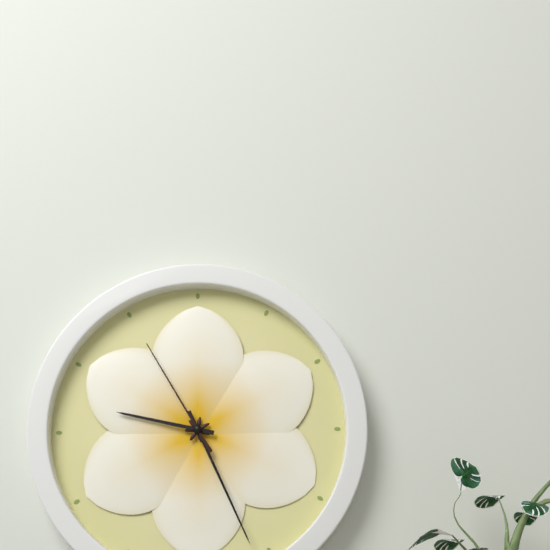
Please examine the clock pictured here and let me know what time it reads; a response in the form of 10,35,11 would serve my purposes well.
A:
9,26,55
